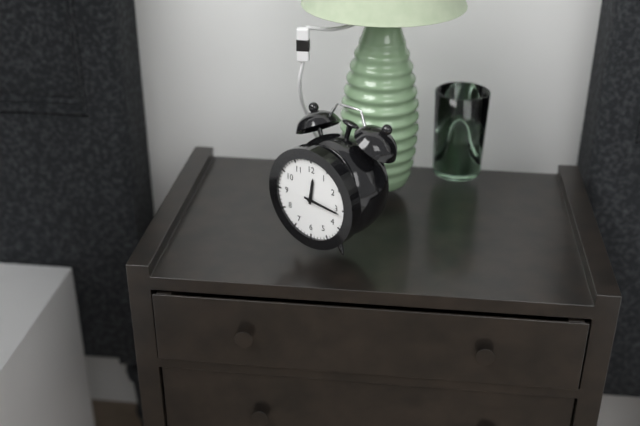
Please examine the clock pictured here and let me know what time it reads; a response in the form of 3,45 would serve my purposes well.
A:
12,16
